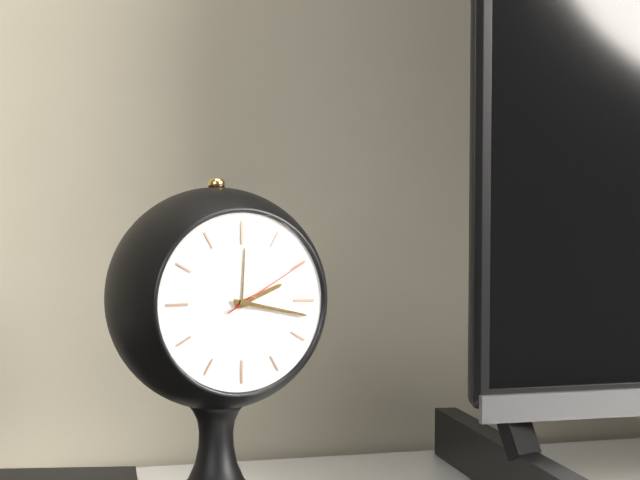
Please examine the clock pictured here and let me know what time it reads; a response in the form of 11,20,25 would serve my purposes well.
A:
2,17,10
